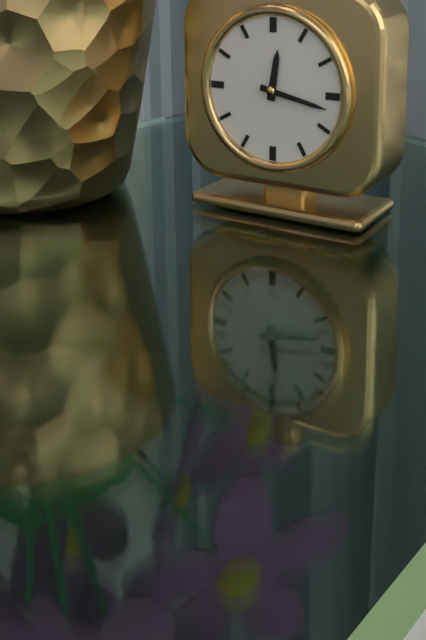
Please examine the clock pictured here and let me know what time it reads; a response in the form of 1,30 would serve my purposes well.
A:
12,17
